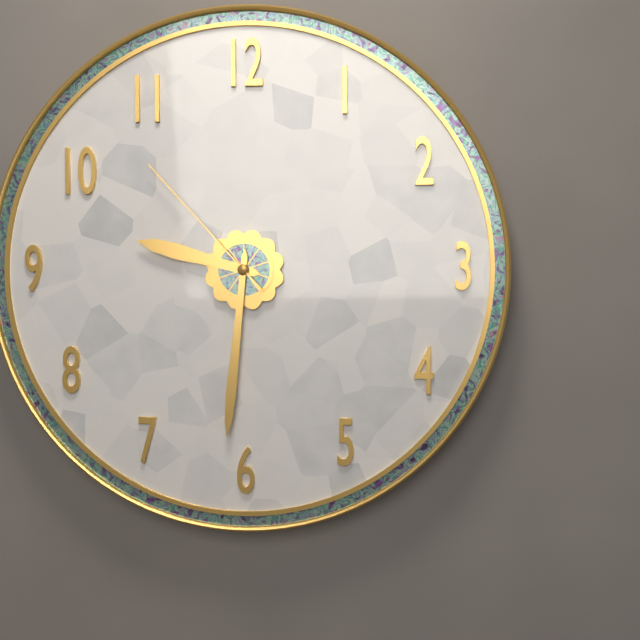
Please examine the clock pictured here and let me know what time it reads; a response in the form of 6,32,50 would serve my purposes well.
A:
9,31,53
